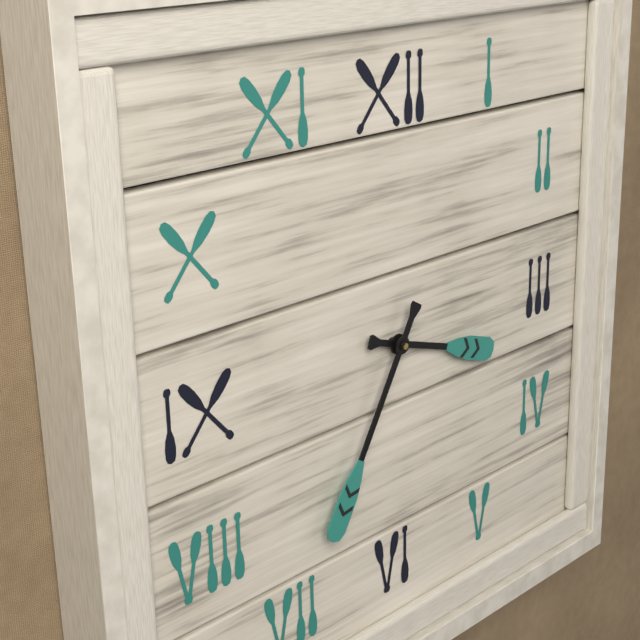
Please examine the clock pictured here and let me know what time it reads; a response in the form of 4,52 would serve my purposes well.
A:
3,35
